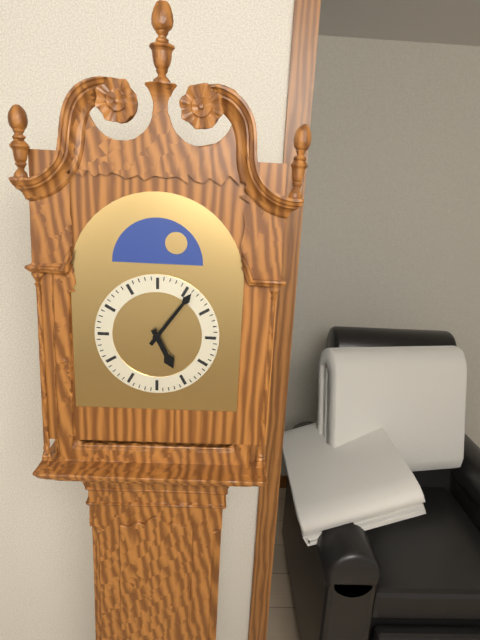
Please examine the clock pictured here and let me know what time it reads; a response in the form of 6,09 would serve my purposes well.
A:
5,06
